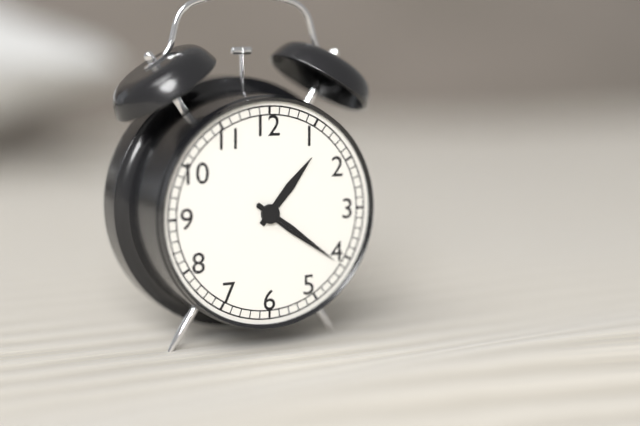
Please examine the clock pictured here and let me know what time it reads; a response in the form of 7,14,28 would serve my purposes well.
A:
1,21,21
